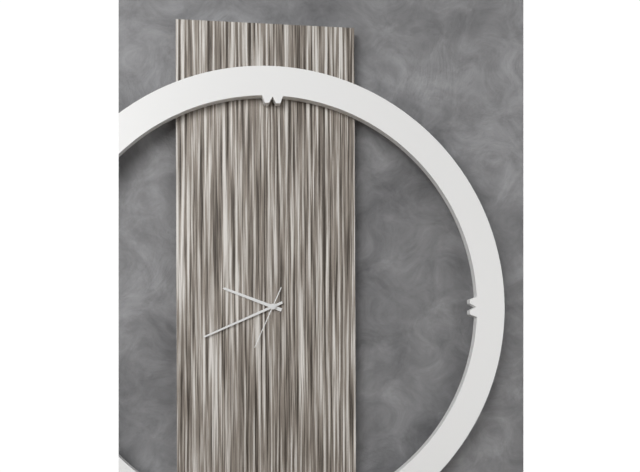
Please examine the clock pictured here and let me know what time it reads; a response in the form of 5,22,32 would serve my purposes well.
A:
9,41,34
